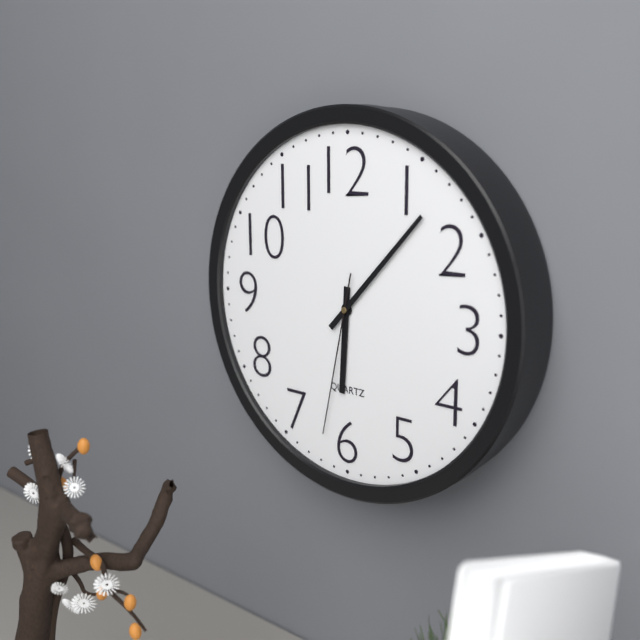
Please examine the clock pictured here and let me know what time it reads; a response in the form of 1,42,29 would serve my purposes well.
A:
6,07,32
